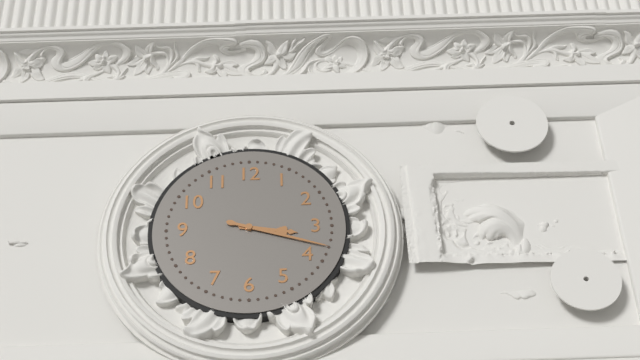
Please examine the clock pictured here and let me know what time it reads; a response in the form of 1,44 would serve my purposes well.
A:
3,18
